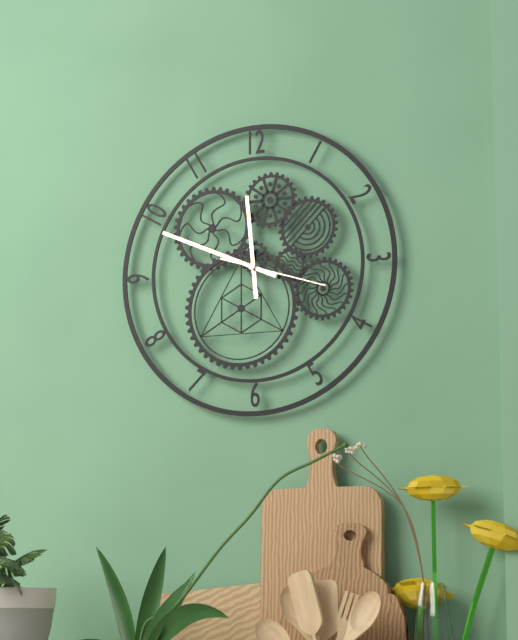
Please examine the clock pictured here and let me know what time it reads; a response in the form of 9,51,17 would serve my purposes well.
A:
11,49,18
